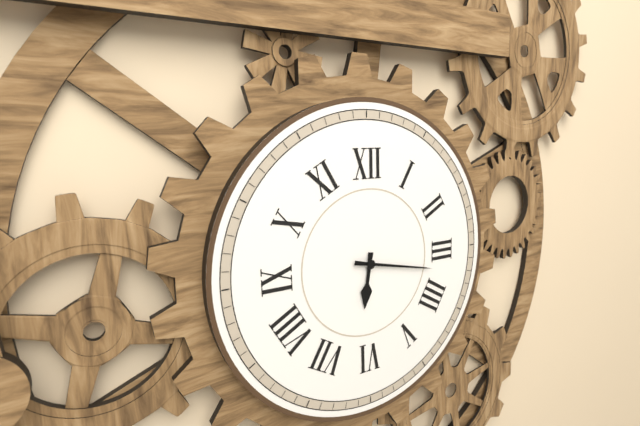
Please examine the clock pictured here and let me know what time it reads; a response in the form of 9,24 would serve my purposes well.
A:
6,17
